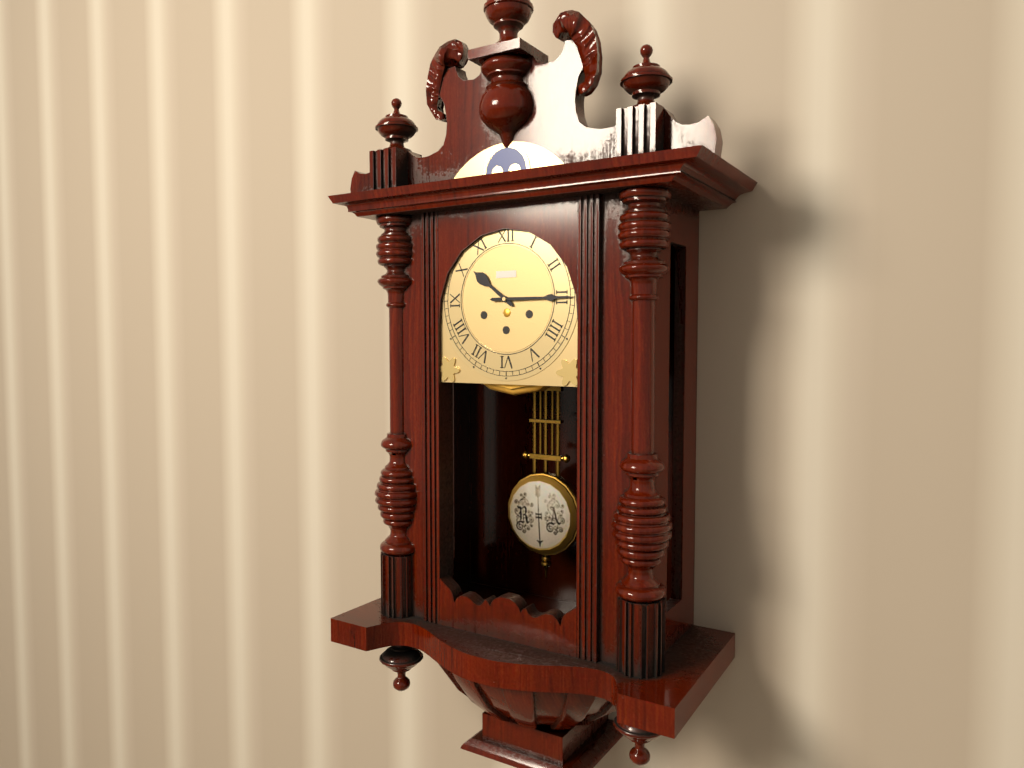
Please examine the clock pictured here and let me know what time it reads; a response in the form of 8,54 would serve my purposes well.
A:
10,15
